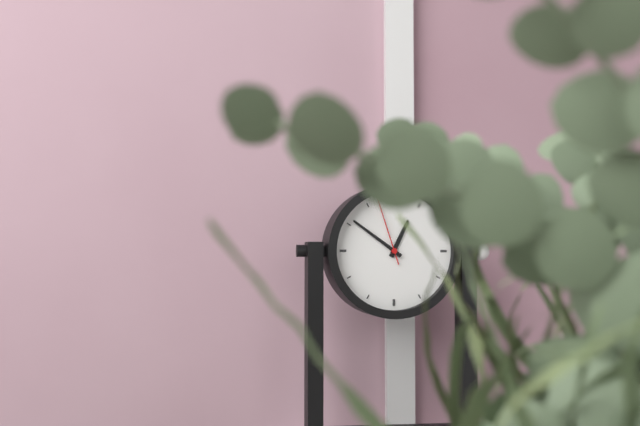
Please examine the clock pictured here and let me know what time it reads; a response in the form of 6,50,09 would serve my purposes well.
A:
12,51,57
